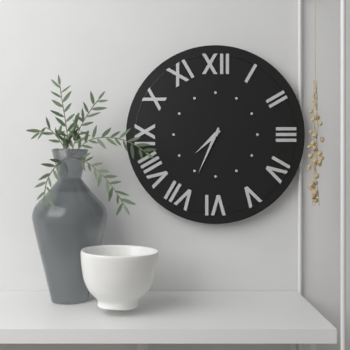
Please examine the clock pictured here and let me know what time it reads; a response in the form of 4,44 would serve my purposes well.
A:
7,34
